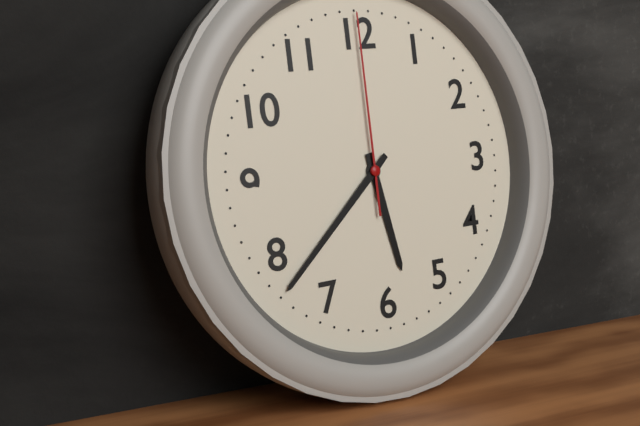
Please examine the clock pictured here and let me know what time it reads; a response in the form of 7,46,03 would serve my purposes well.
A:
5,38,00
